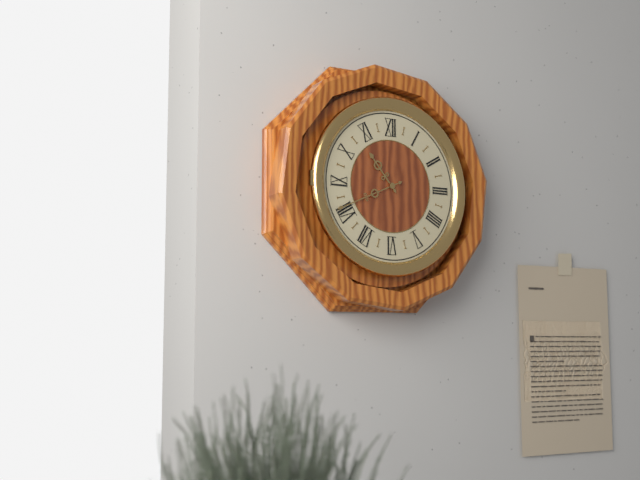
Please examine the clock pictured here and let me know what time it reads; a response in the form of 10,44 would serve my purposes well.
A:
10,41
